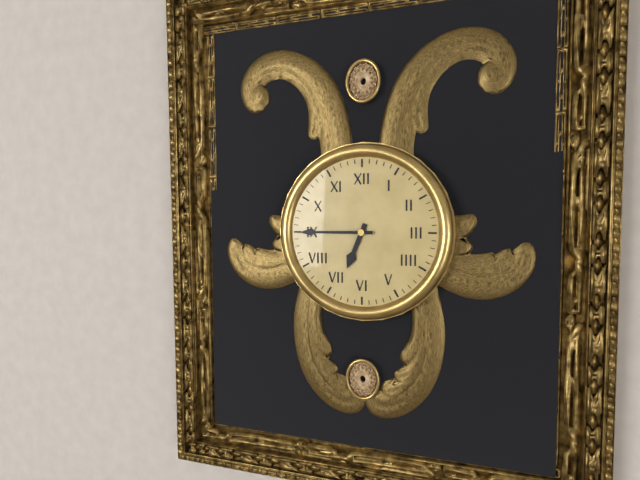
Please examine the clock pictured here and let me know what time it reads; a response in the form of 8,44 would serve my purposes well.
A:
6,45
